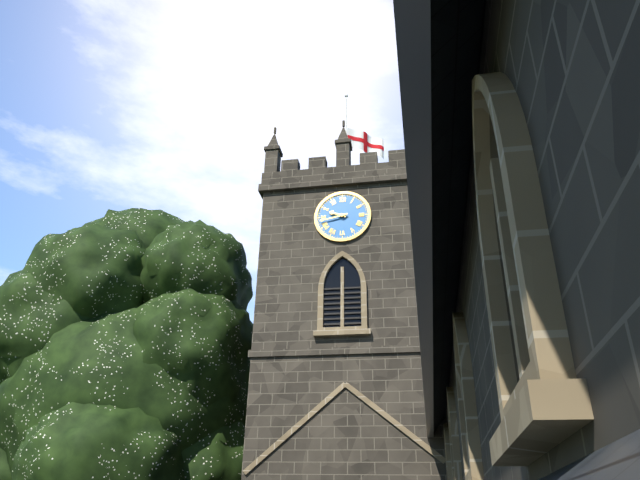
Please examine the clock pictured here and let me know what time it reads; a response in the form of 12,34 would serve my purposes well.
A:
9,43
